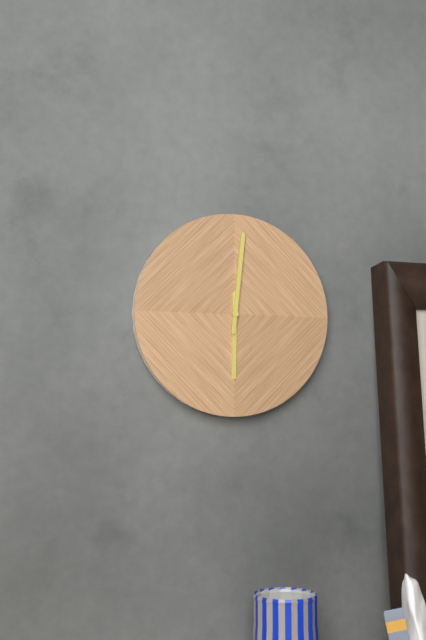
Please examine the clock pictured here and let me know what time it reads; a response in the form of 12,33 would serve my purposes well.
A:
6,01
